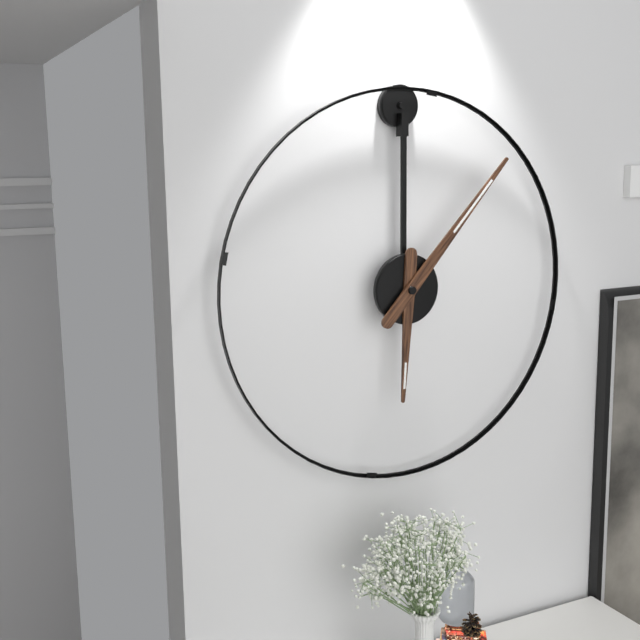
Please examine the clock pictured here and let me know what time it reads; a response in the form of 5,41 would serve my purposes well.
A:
6,07
